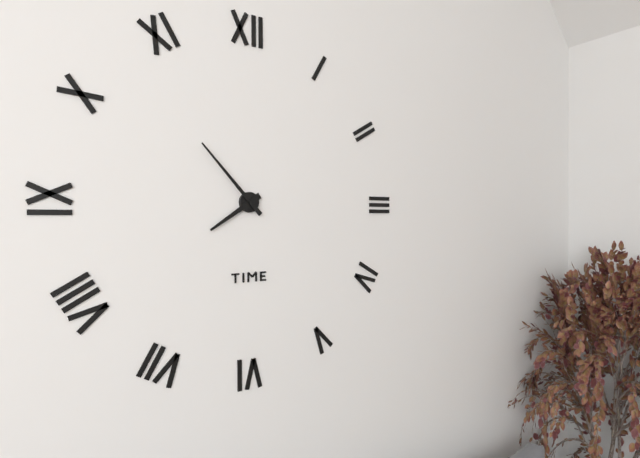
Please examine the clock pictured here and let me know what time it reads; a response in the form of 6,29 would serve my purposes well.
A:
7,53
